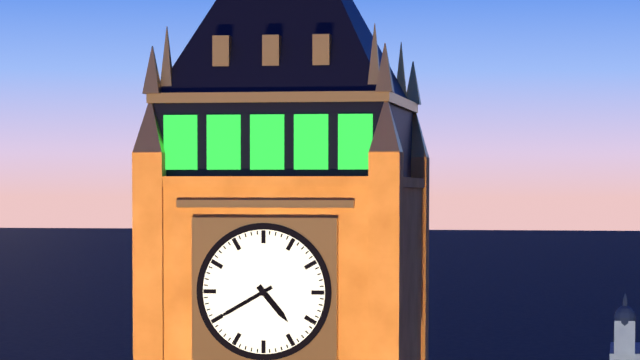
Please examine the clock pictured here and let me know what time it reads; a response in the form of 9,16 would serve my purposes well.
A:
4,40
